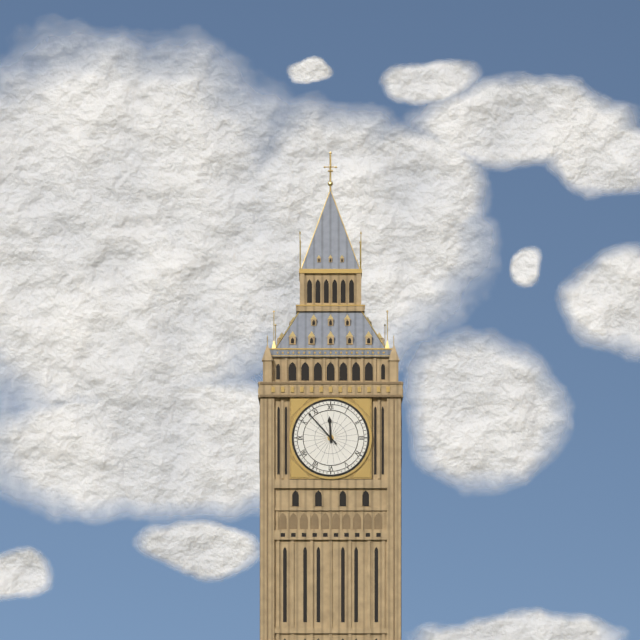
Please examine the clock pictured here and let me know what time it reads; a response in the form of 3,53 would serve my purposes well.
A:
11,53
